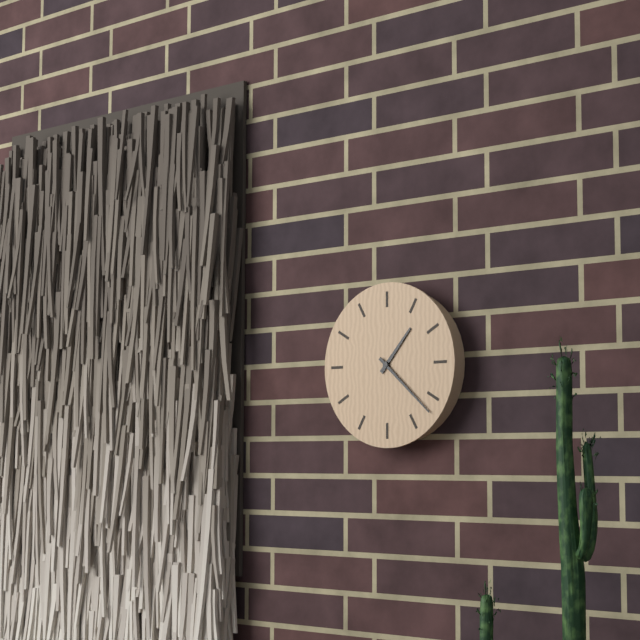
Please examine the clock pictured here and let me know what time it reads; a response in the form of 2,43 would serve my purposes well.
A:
1,22
